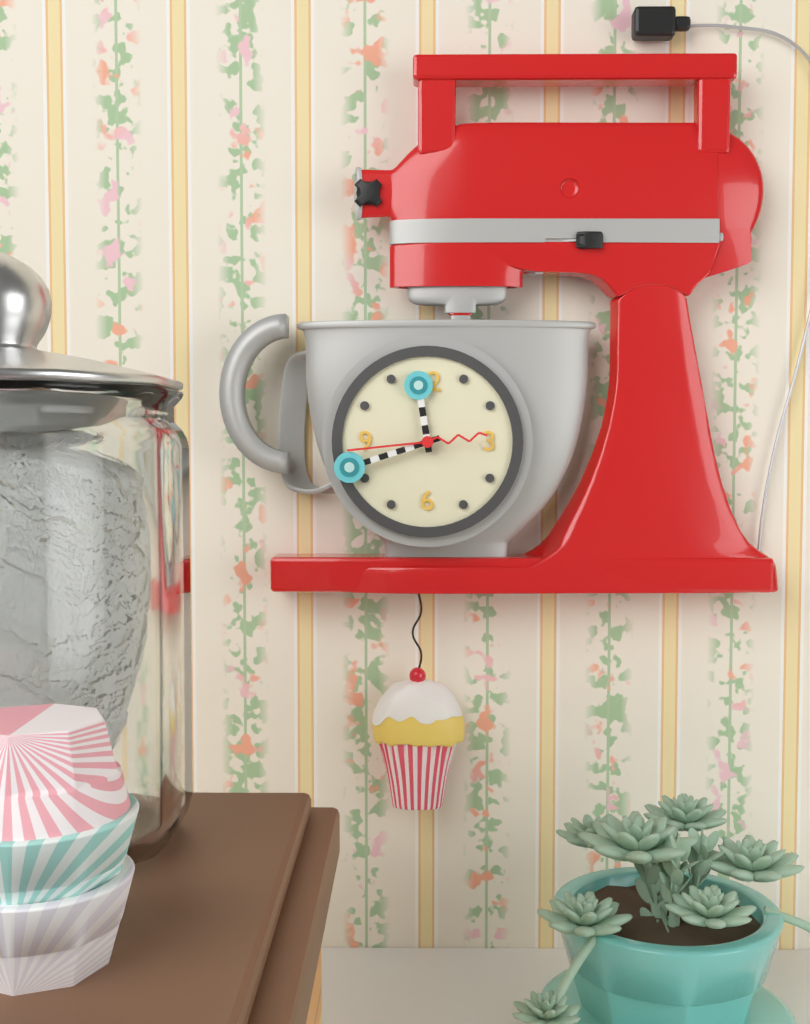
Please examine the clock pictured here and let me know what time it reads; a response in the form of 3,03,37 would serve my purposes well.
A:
11,42,44
